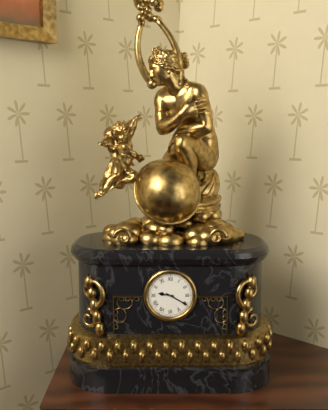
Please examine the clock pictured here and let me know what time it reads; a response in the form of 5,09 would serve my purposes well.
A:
9,20
